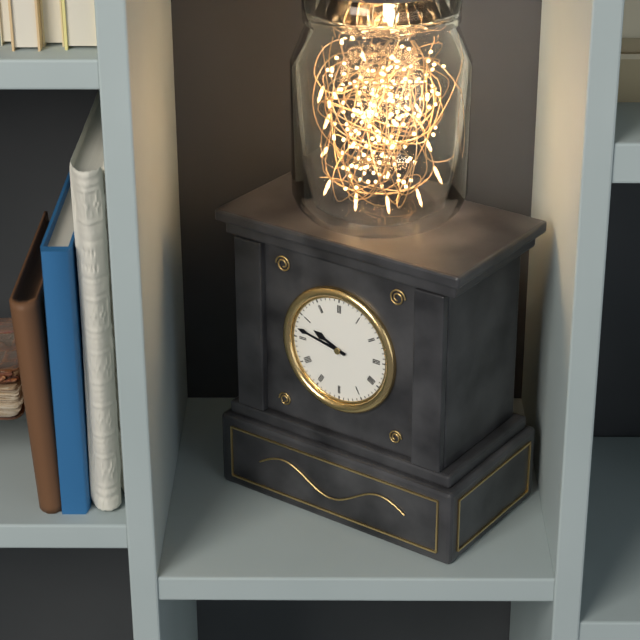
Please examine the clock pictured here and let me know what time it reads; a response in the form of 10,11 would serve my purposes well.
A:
9,47
